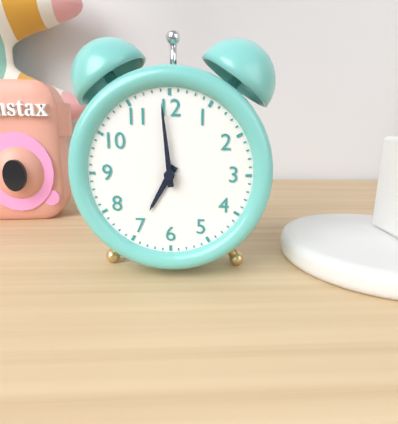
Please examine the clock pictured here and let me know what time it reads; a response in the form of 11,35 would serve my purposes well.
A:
6,59
